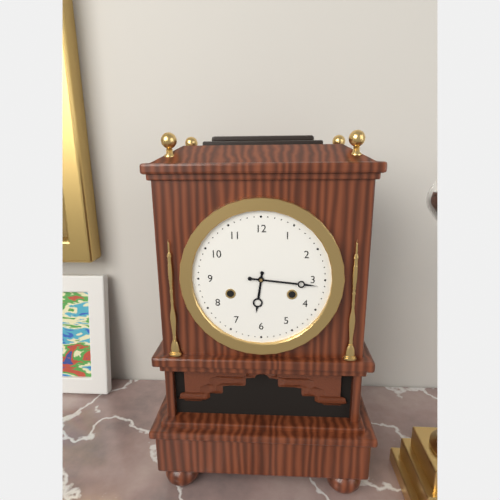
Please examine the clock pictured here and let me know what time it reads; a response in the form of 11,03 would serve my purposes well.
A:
6,16
